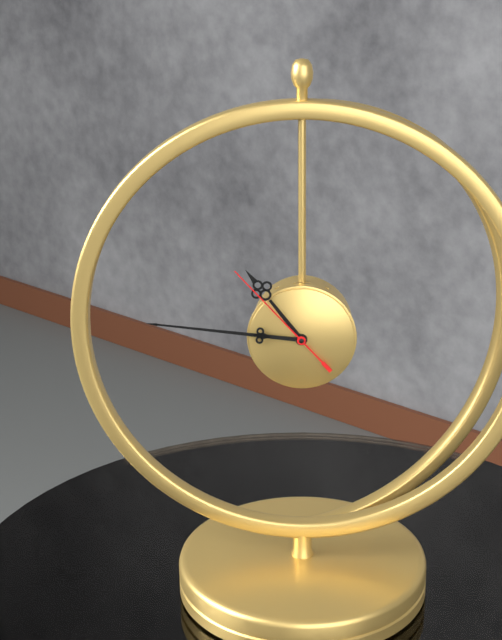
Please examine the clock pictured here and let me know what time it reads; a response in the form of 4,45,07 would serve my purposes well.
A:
10,46,53
